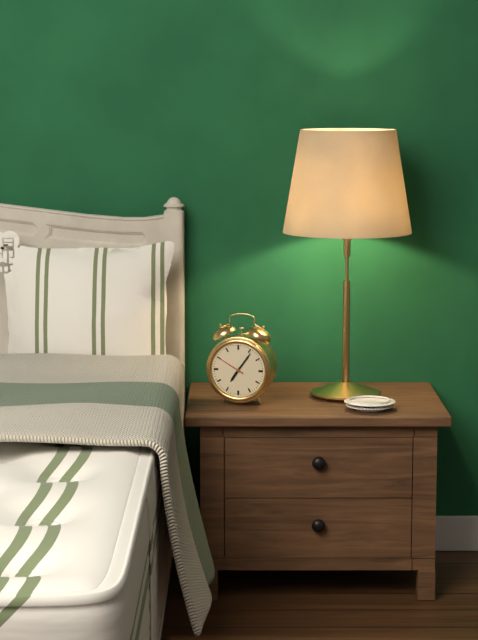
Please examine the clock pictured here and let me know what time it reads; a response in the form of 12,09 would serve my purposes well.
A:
7,06
